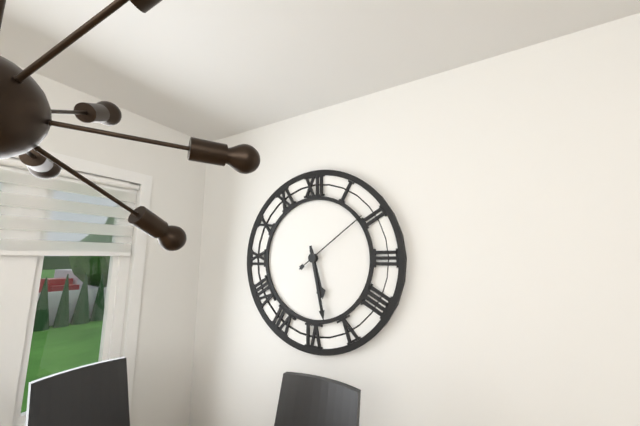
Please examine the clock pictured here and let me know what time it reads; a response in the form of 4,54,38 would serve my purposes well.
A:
5,28,09
